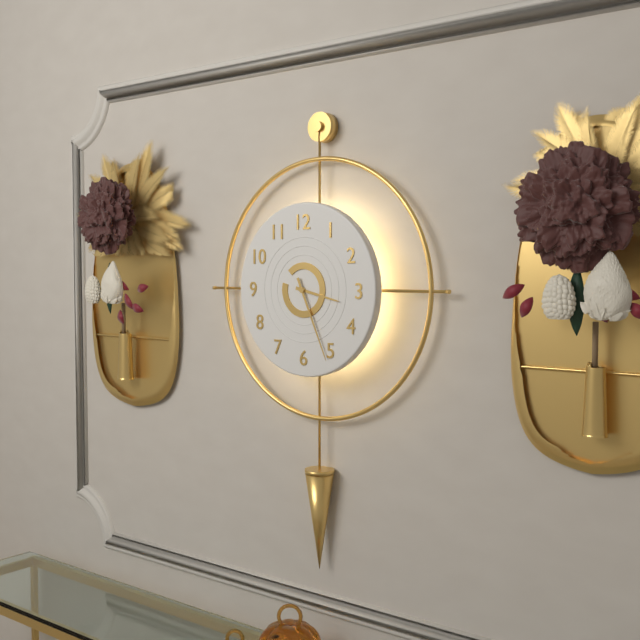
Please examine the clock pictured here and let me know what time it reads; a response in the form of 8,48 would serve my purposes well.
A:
3,26
